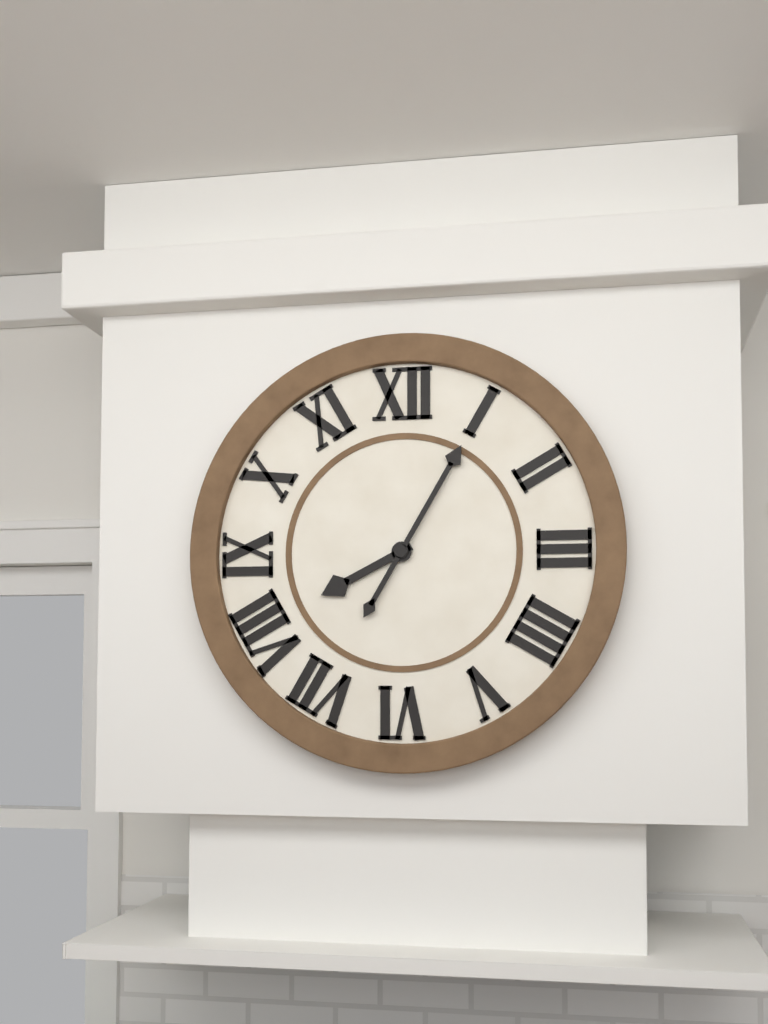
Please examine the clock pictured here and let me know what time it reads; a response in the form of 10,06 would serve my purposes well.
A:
8,05
